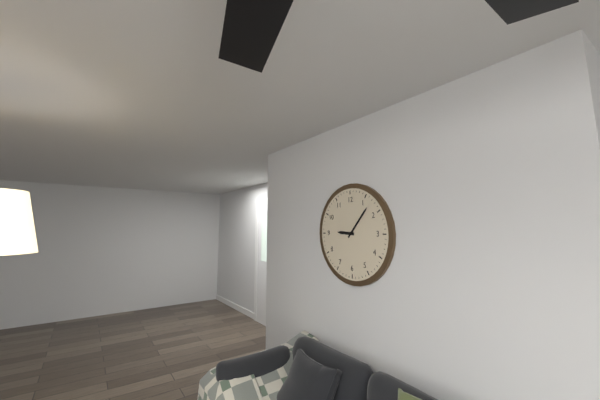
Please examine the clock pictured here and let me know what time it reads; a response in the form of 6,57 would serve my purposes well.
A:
9,07
